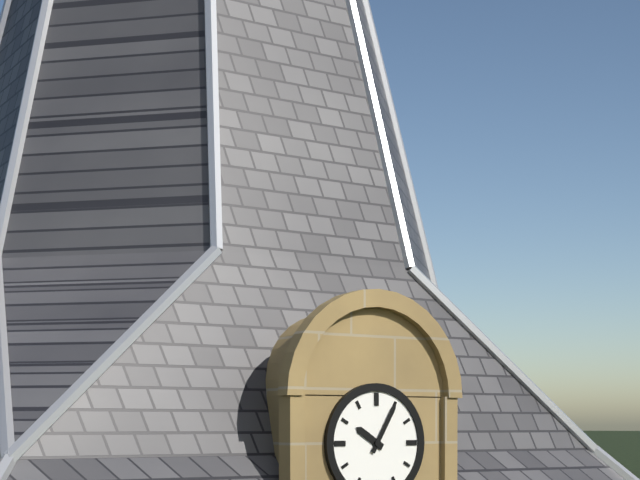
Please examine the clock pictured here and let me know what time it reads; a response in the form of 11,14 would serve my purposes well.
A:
10,05
